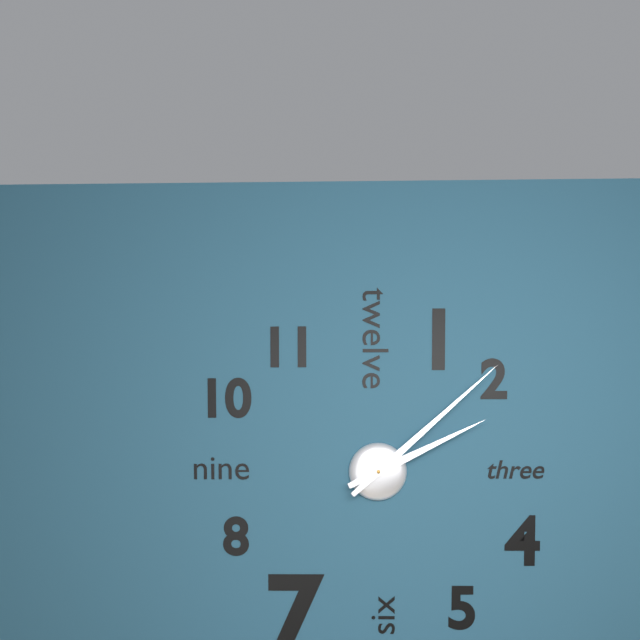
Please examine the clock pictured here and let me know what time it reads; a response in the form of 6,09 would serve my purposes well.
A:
2,08
